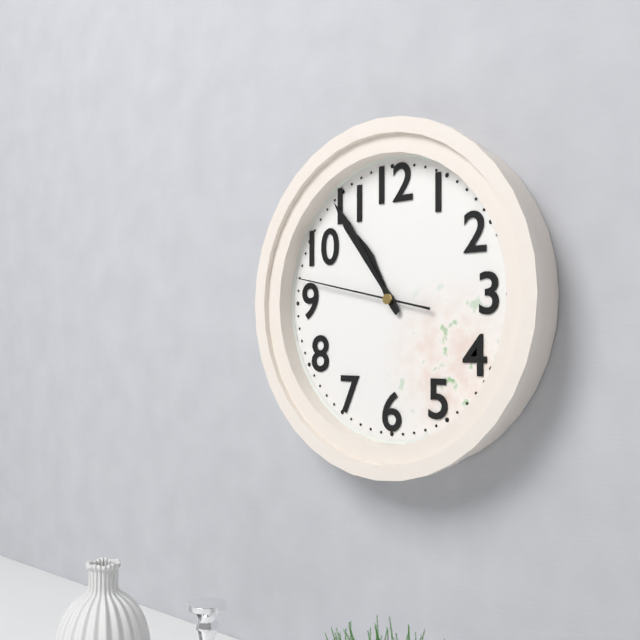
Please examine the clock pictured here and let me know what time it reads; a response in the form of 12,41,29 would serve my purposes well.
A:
10,54,47
